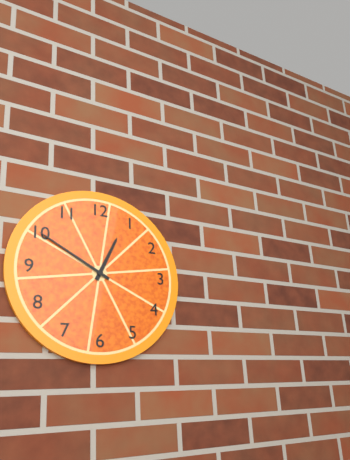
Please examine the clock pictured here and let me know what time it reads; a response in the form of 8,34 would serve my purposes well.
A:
12,50
